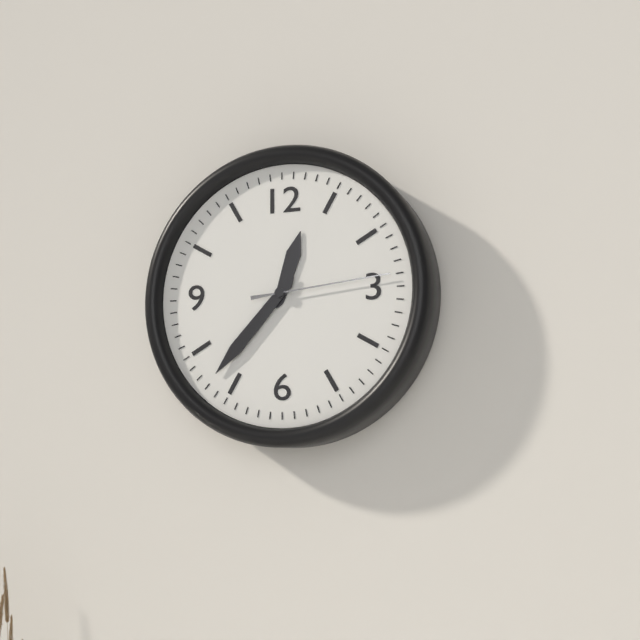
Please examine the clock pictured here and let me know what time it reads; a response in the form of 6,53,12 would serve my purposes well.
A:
12,37,14
